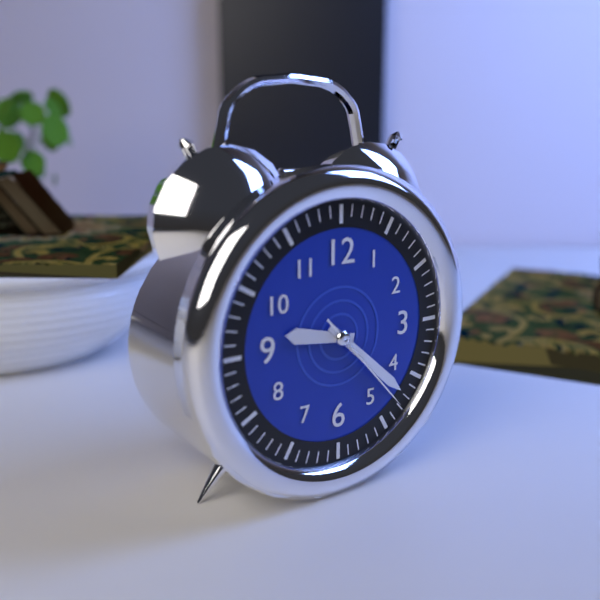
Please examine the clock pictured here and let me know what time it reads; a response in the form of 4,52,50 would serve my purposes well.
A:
9,22,23
